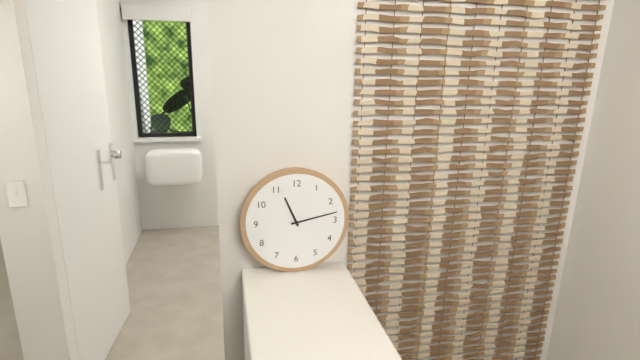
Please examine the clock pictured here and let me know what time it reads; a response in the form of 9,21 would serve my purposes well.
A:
11,13
